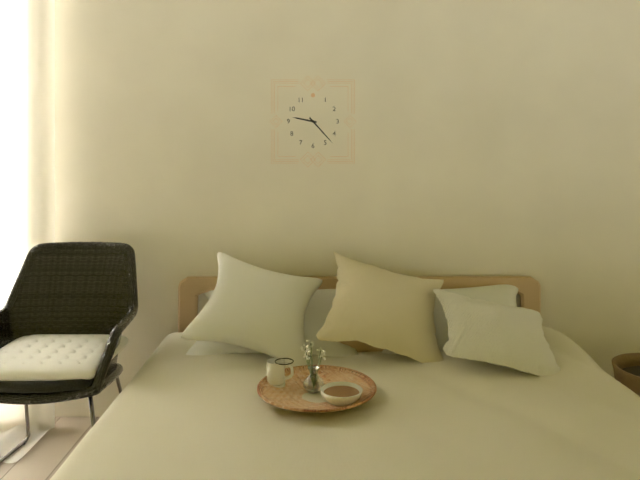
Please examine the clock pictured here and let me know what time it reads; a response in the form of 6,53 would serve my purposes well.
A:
9,23
